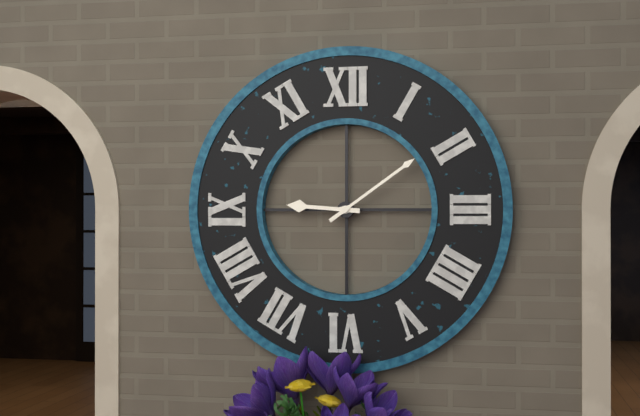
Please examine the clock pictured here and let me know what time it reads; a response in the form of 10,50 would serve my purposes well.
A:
9,09
